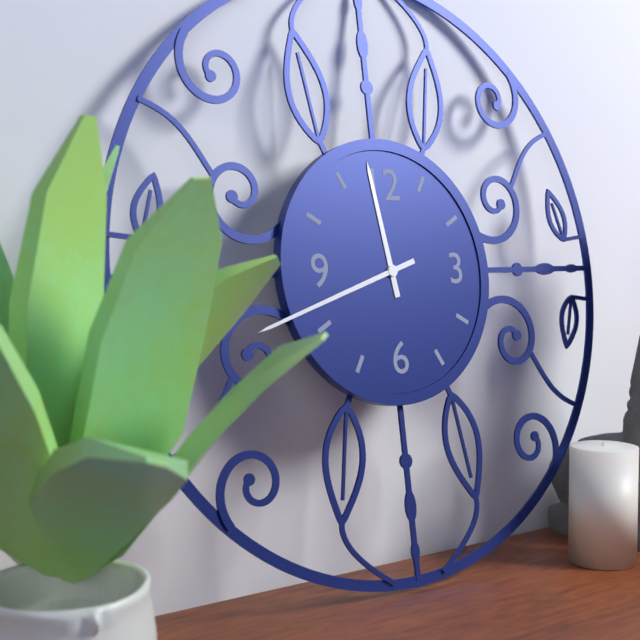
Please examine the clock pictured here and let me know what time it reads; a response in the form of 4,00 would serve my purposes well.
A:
11,42
